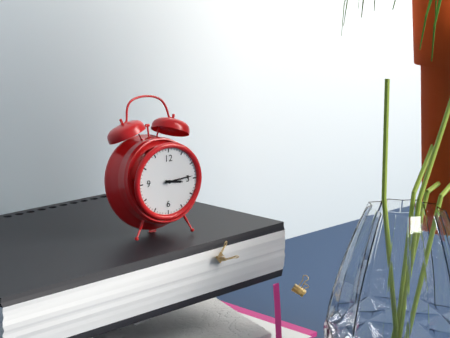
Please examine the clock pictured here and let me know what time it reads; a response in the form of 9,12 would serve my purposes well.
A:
3,14
